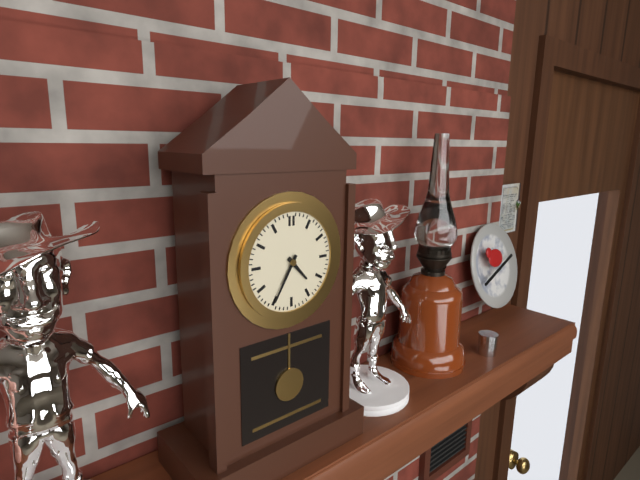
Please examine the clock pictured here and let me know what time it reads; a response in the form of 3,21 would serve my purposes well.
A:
4,35
